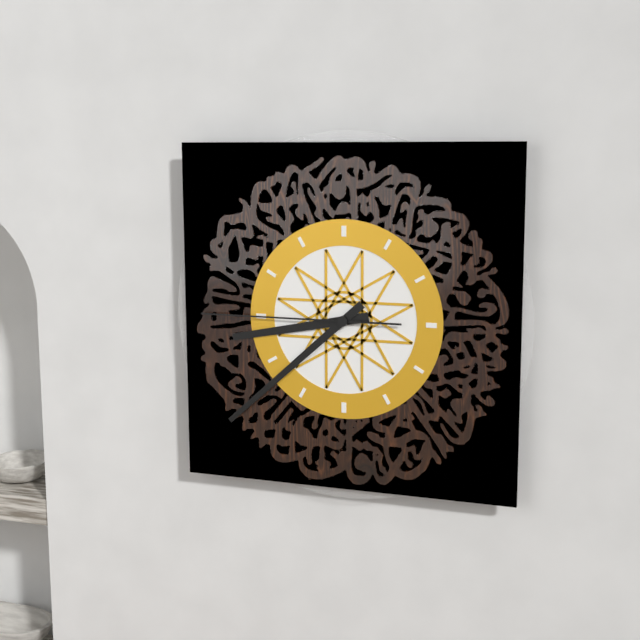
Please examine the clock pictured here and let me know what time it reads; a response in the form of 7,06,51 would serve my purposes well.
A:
8,38,45
